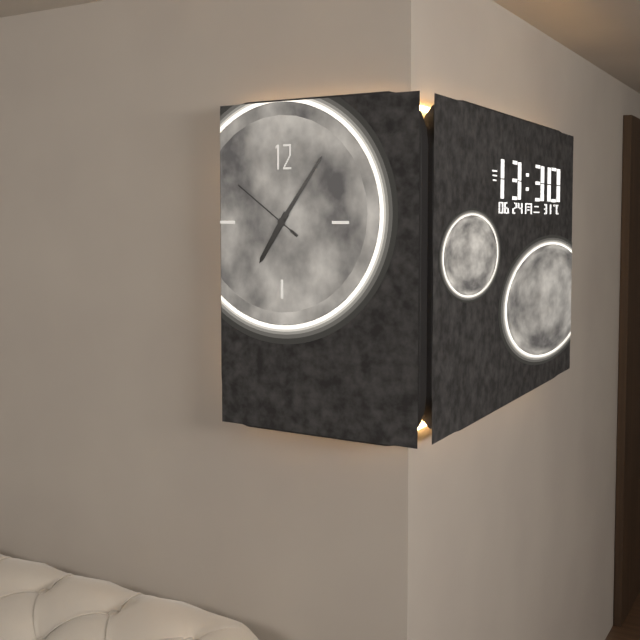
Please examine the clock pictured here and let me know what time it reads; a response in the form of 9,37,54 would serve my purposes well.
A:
7,06,51
